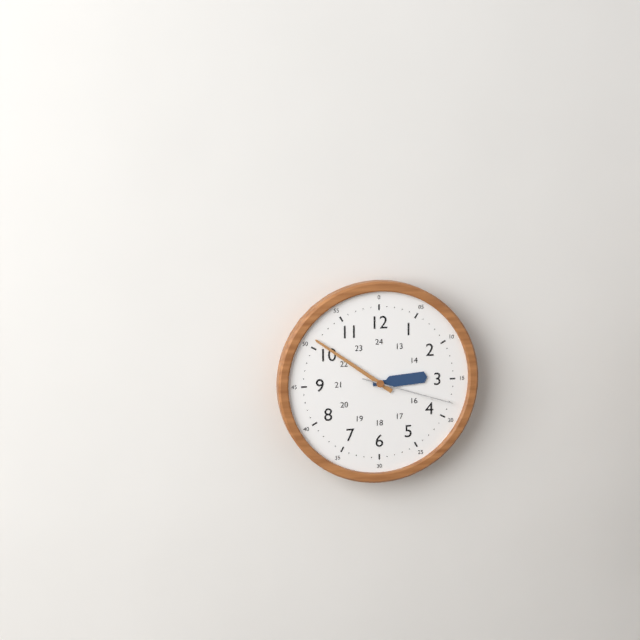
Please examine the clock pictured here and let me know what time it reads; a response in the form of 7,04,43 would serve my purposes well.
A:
2,51,18
